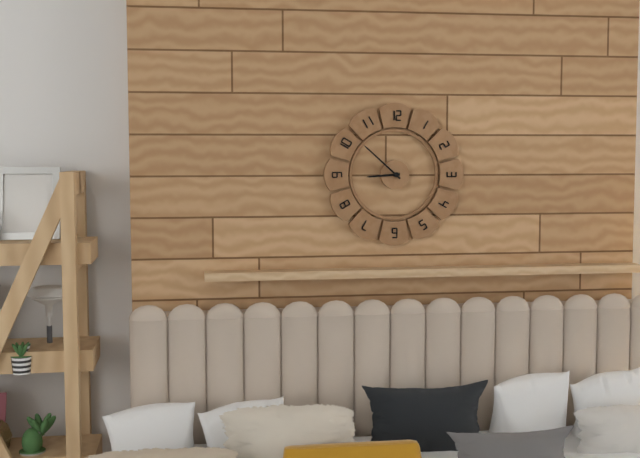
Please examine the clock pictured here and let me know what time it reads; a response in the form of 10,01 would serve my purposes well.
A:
8,52
